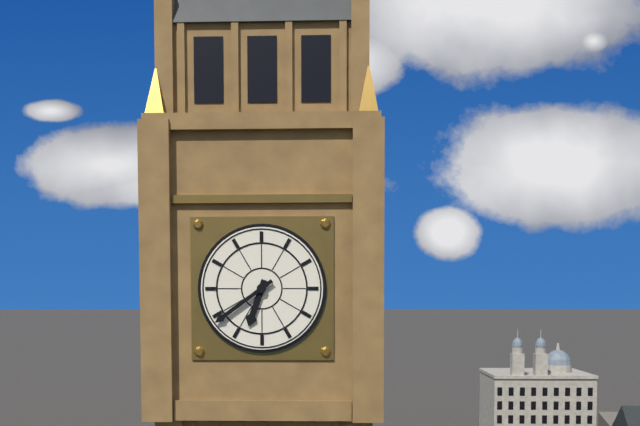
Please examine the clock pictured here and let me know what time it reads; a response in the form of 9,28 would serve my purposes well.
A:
6,39
